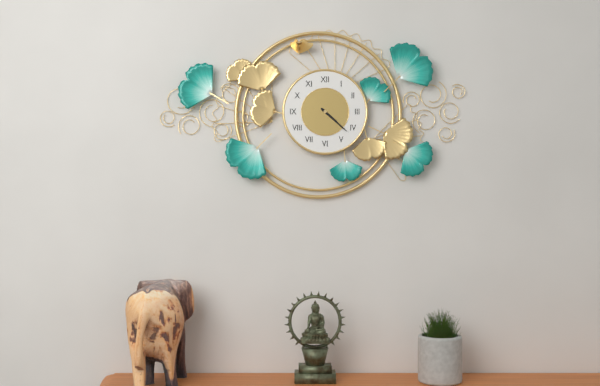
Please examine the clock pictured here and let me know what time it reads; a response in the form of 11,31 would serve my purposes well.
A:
4,22
